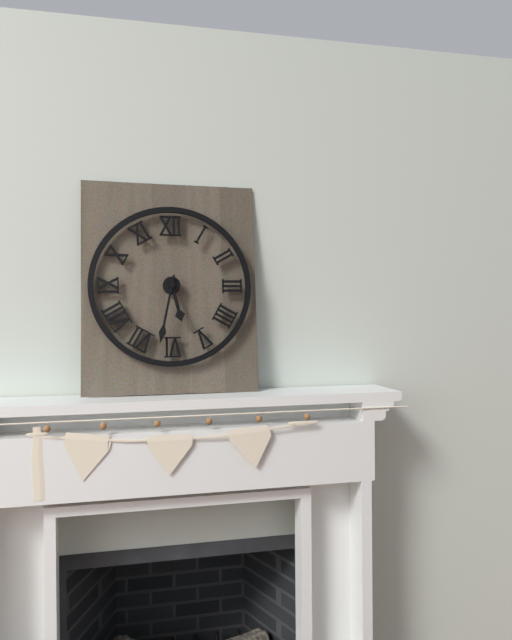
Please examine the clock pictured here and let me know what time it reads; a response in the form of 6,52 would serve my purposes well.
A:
5,32
